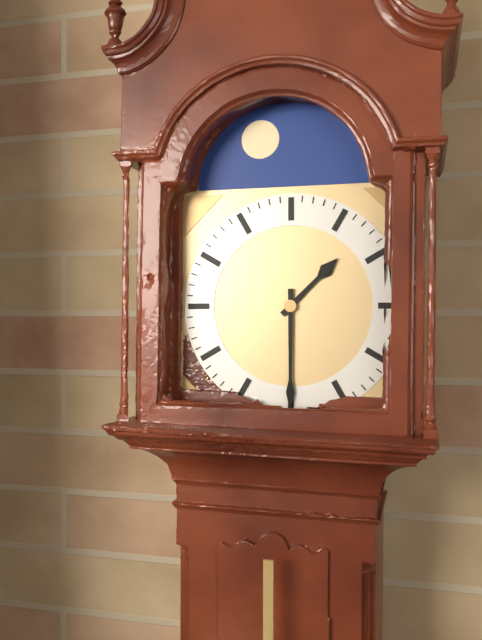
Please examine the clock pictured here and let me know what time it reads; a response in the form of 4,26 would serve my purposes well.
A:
1,30
